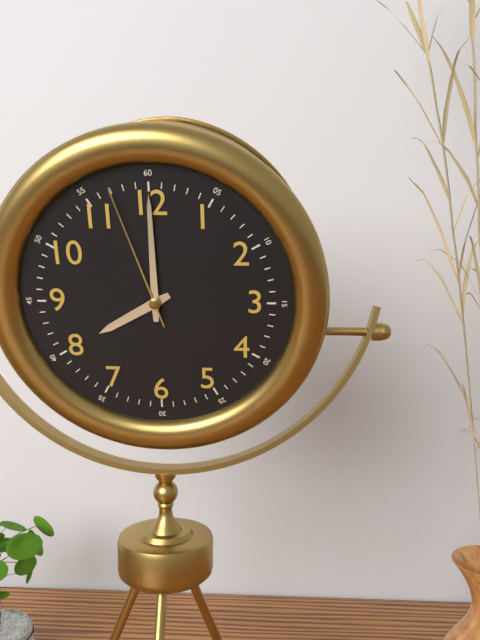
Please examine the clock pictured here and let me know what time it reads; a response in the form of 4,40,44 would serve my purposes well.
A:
8,00,57
